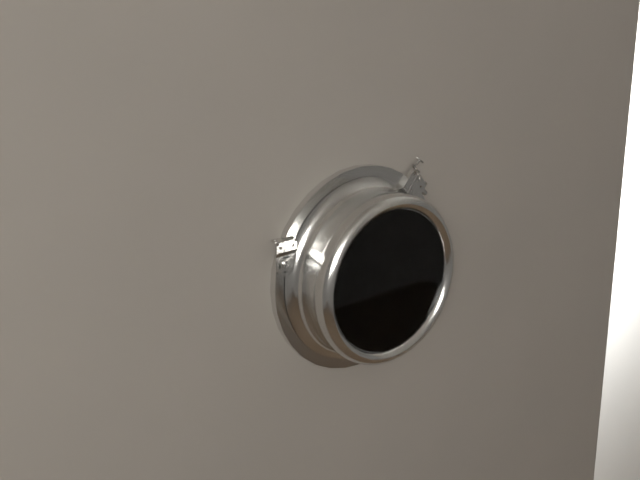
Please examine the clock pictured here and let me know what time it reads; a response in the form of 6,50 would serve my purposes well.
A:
2,28
